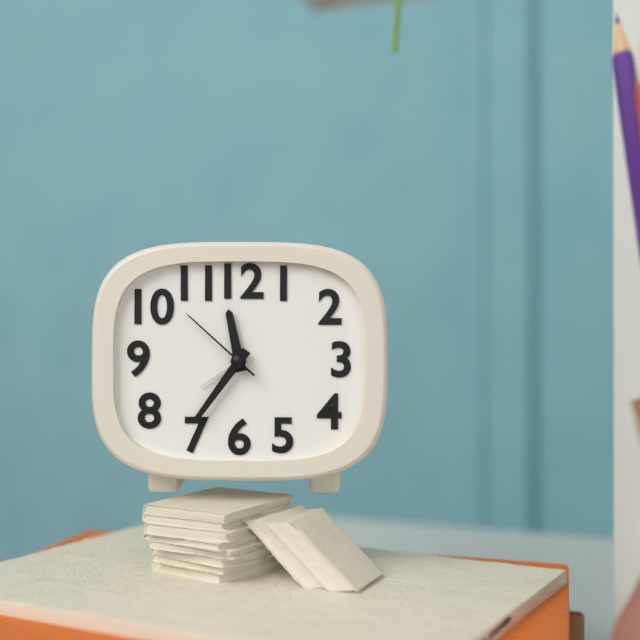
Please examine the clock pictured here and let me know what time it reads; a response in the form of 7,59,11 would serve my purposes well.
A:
11,36,52
